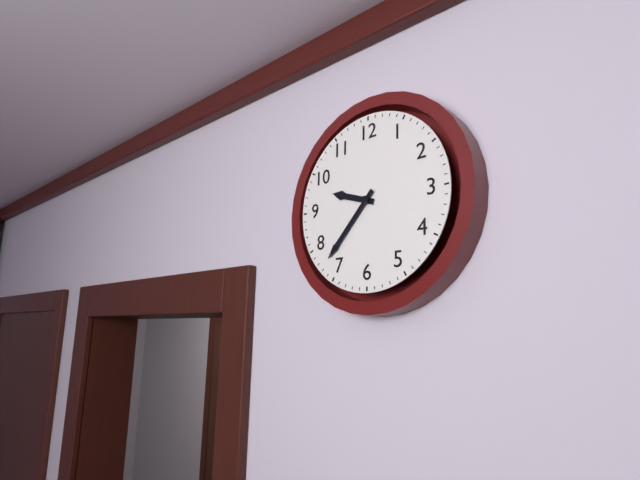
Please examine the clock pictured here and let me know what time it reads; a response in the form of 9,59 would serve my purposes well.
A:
9,37
